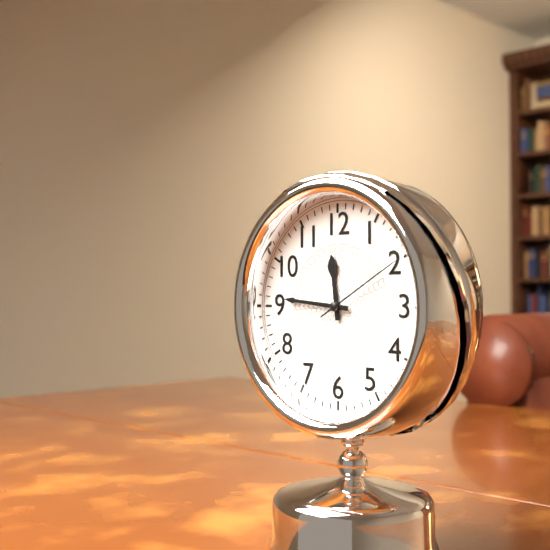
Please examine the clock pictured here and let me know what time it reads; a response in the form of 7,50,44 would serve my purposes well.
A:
11,46,10
